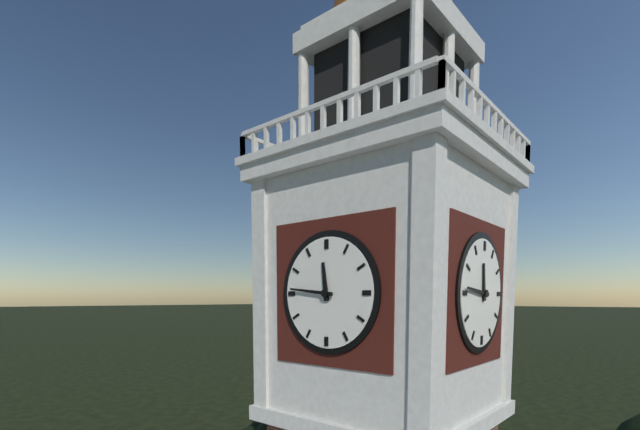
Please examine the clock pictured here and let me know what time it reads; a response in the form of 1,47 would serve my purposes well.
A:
11,46
